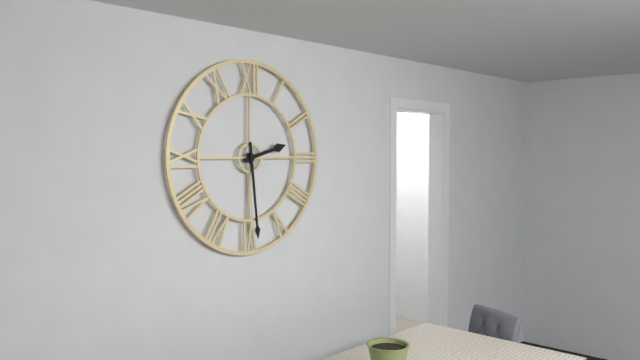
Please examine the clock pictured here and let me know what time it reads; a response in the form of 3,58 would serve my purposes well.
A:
2,29
